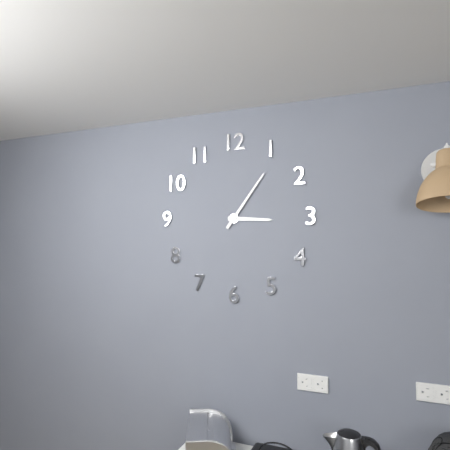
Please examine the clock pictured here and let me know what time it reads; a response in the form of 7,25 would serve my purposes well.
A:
3,06
